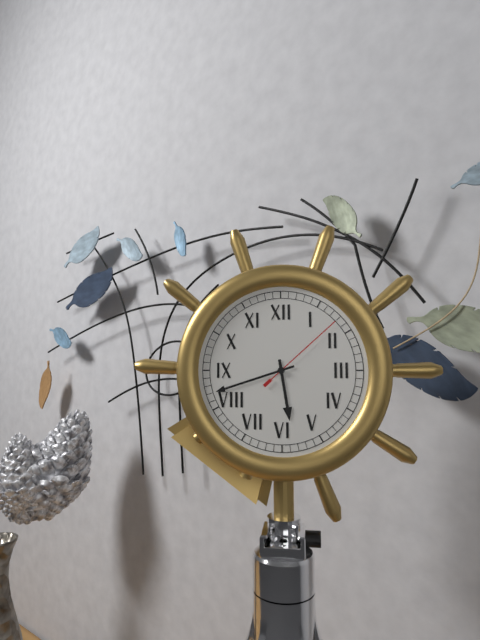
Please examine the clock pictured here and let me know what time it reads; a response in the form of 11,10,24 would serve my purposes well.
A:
5,42,08
